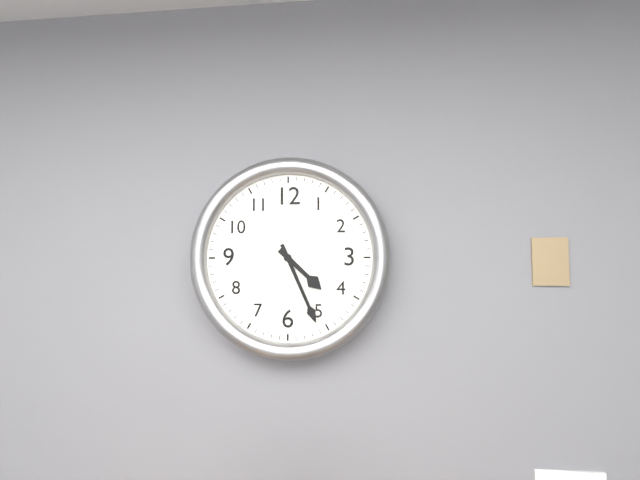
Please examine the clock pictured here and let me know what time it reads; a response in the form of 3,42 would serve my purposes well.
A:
4,26
